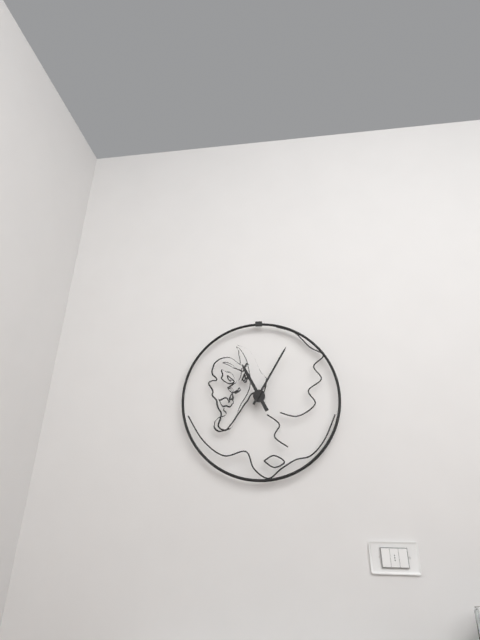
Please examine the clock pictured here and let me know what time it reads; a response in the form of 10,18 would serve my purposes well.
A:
11,05
